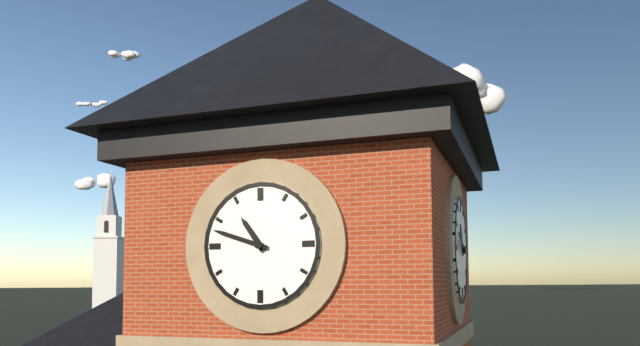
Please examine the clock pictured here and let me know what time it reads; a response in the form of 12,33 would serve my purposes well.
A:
10,48
